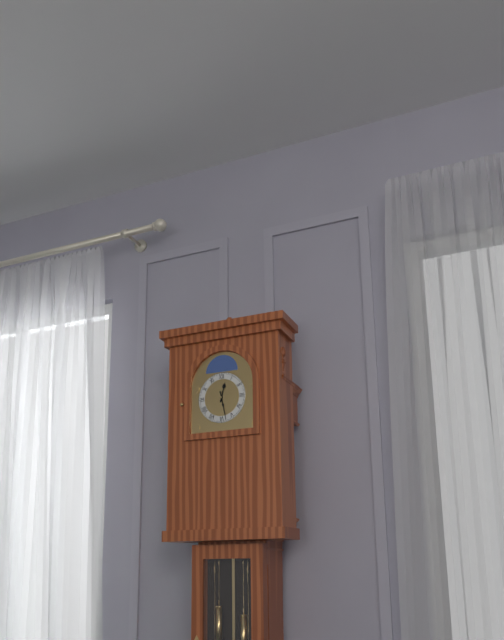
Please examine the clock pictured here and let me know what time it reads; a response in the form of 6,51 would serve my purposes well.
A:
12,28
